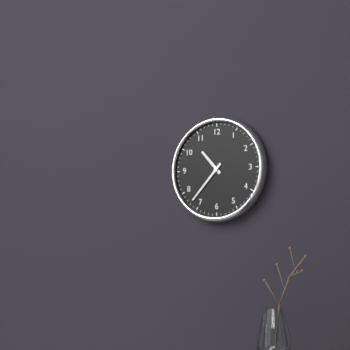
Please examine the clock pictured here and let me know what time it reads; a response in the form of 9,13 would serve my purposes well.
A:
10,37
